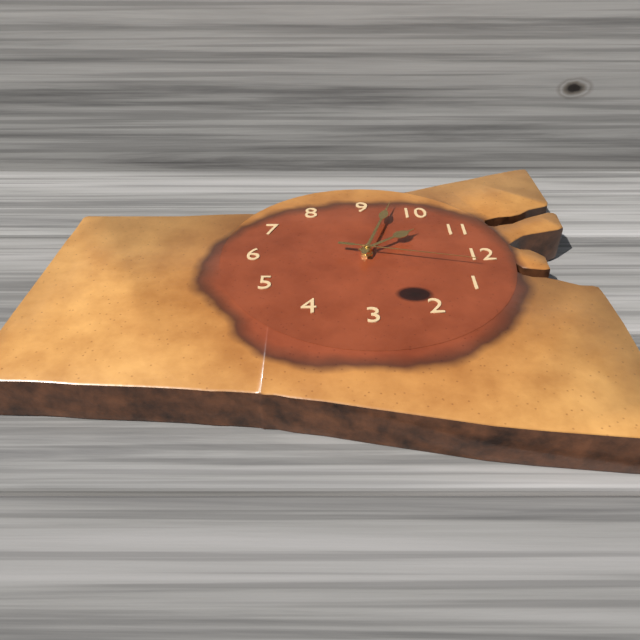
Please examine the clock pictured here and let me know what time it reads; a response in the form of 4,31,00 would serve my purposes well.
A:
10,48,02
